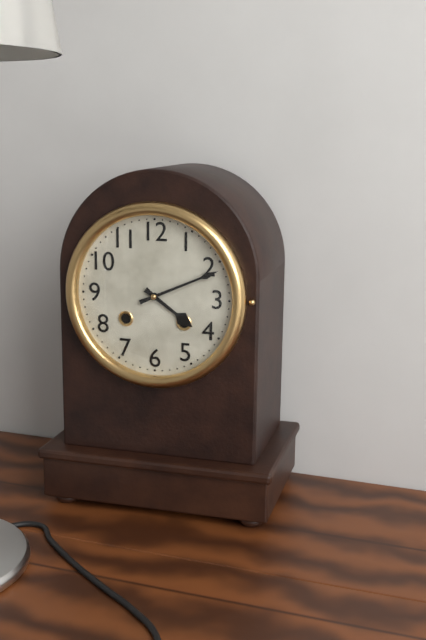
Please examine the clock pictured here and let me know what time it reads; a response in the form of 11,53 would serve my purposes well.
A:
4,11
